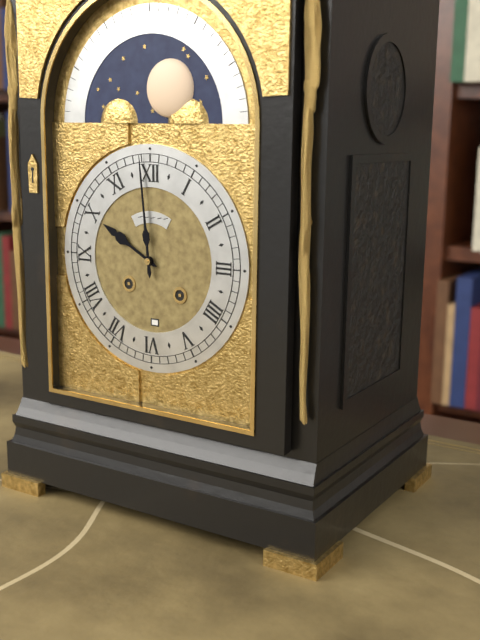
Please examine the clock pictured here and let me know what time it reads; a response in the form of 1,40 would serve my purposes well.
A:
9,59
